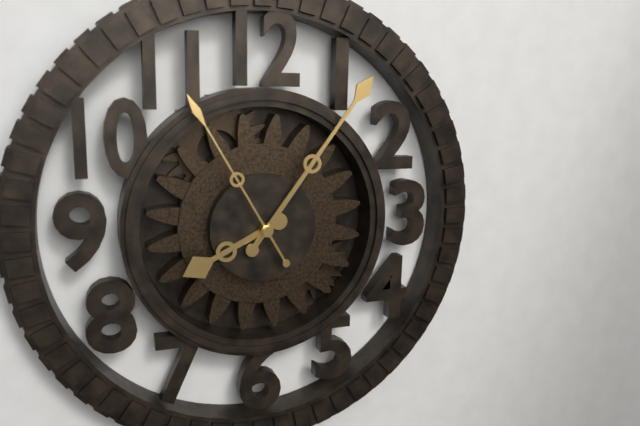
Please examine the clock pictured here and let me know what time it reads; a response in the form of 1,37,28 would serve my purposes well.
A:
8,06,55
